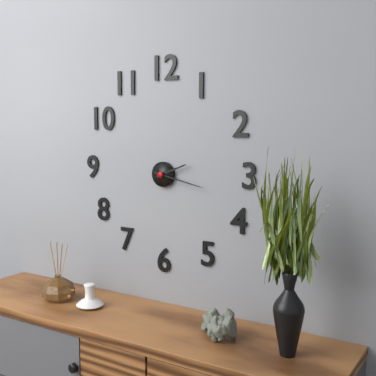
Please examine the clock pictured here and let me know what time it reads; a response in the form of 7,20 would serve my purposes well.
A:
2,17
